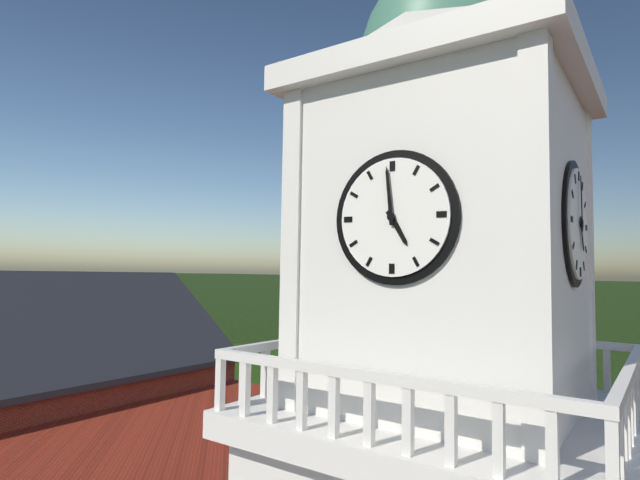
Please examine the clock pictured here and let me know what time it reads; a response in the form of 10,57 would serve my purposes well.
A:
4,59
